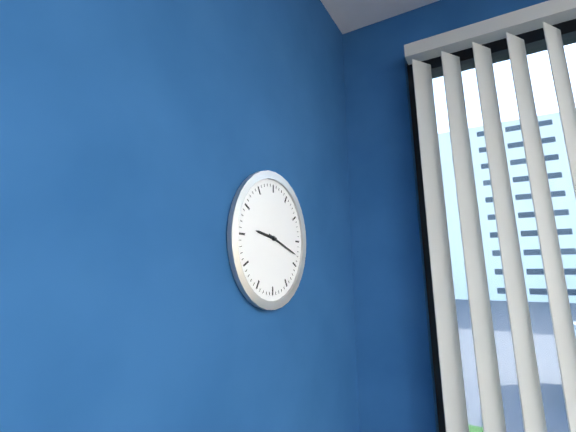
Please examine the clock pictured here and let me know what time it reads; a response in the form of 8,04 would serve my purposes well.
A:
9,18
